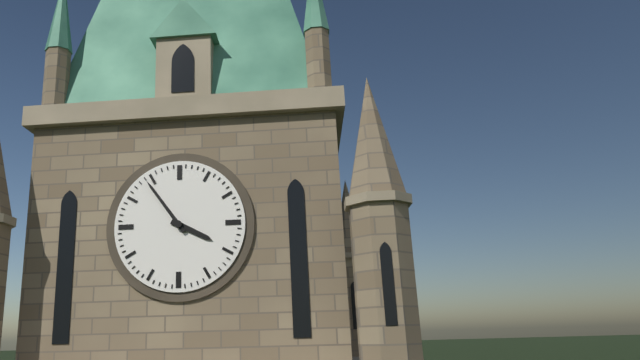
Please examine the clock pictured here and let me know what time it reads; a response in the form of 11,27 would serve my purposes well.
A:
3,54
